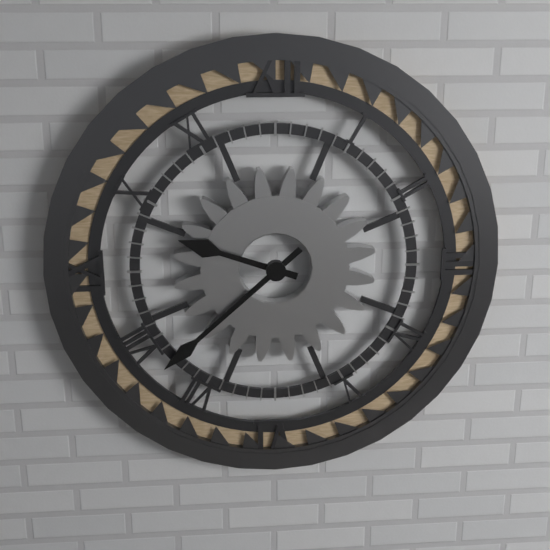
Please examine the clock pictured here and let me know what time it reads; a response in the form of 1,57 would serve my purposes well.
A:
9,38
